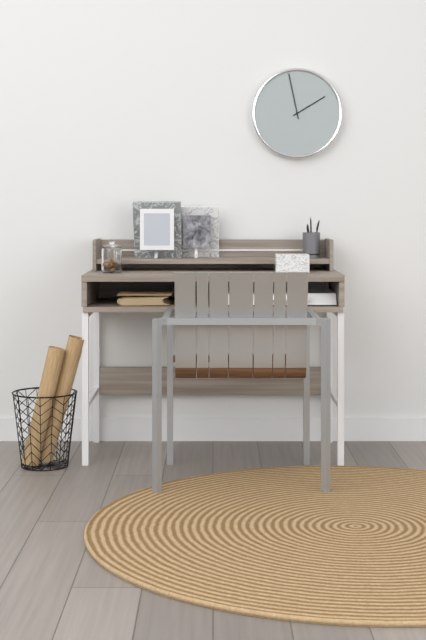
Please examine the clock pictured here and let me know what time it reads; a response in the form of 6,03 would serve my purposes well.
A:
1,58
